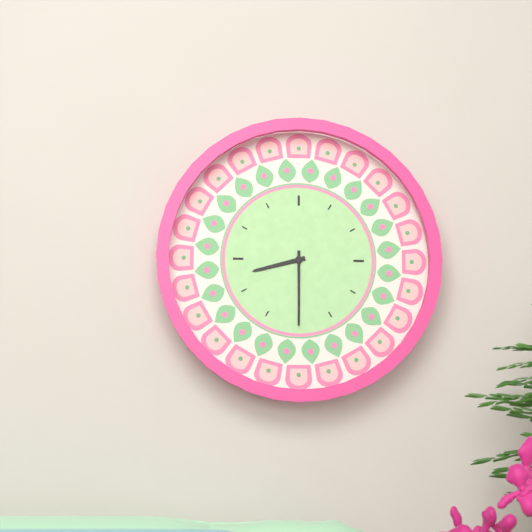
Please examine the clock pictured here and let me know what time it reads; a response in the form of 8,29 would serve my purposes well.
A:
8,30
